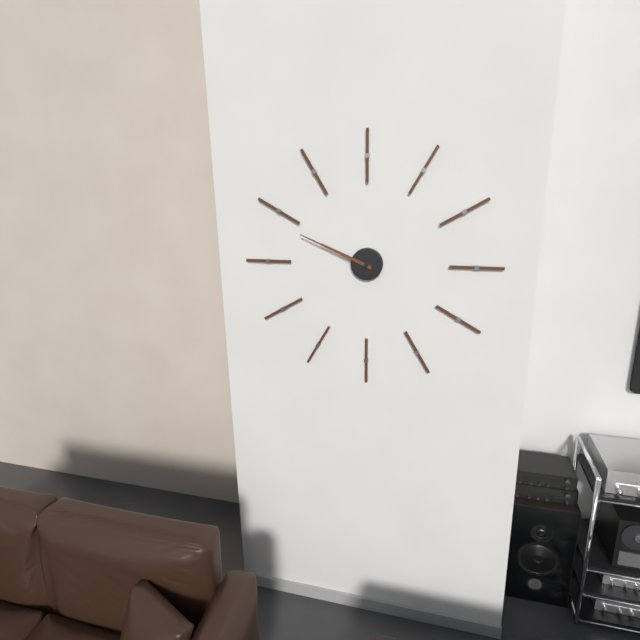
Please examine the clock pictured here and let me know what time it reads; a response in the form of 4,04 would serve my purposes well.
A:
9,49
